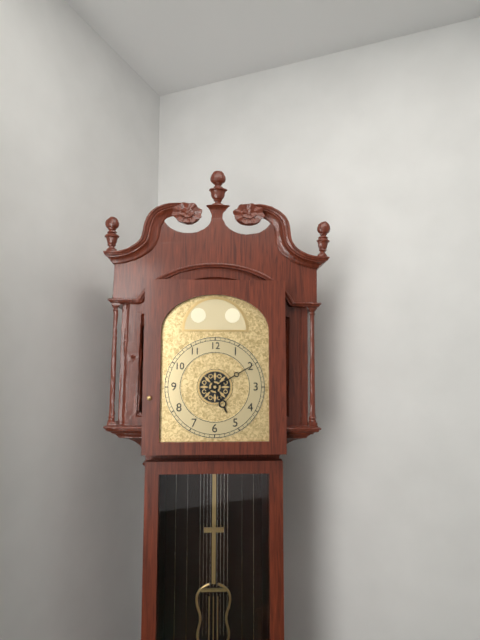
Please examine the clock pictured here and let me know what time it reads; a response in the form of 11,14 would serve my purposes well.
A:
5,10
